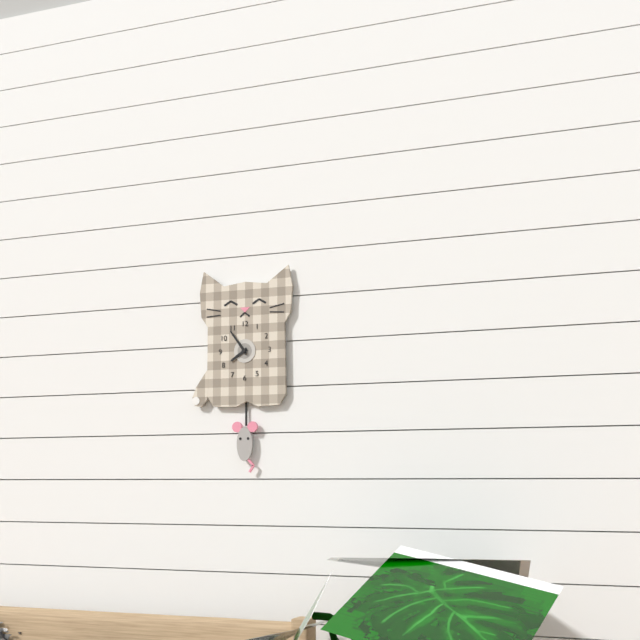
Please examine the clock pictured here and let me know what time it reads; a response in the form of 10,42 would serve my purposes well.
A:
7,54
